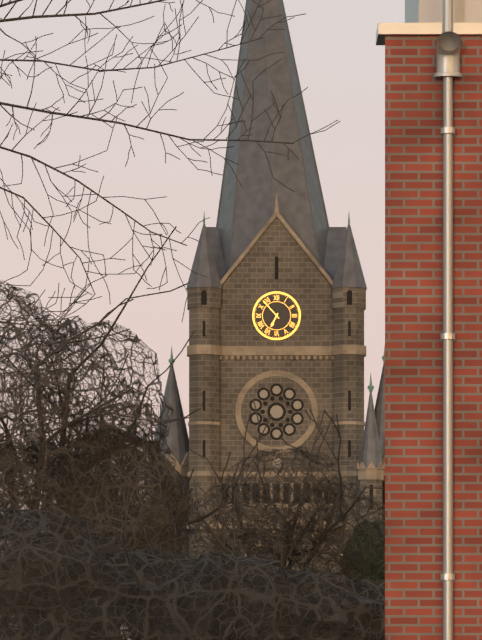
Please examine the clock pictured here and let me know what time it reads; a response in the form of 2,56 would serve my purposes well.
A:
6,53
